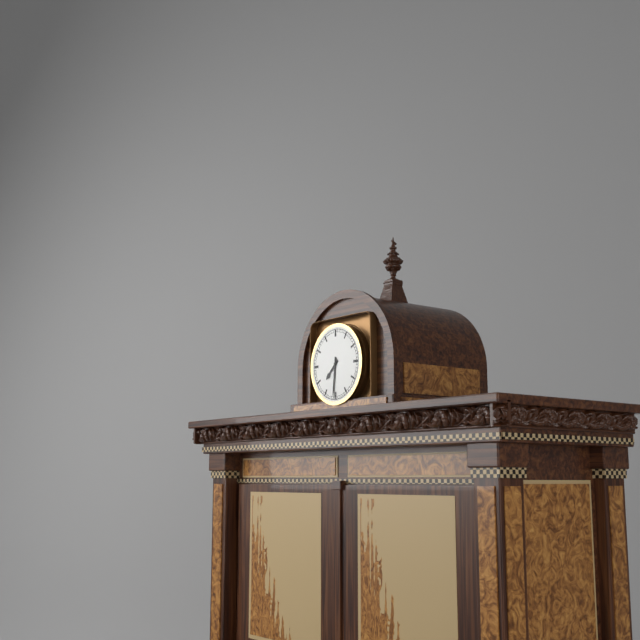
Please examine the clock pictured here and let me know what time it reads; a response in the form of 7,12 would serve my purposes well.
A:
7,31
